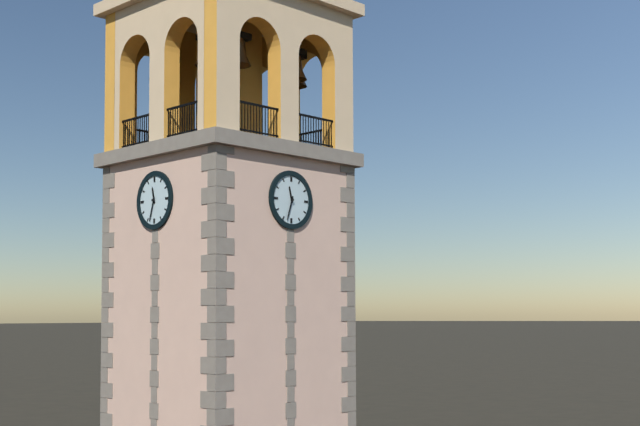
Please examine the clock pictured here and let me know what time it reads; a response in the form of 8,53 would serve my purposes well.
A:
11,33
